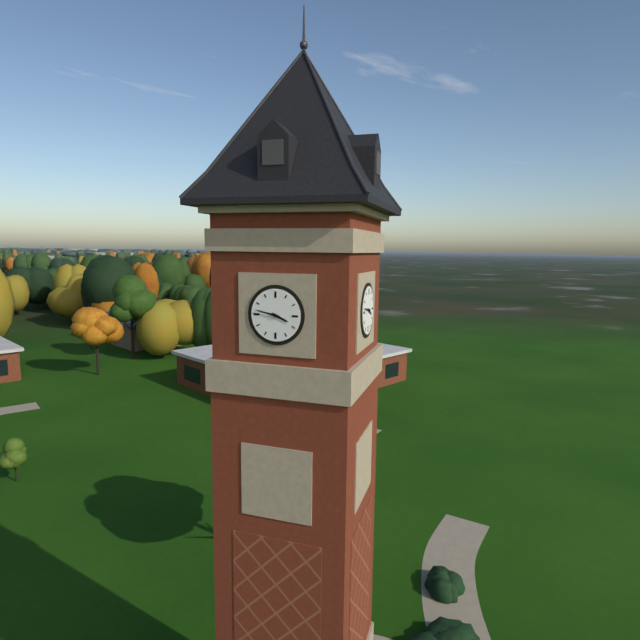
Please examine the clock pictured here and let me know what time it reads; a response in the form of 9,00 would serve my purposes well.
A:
3,47
